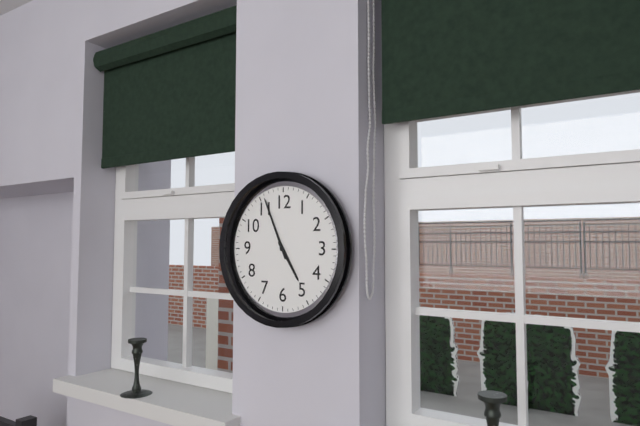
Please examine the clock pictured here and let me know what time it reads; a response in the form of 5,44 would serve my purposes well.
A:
4,56
